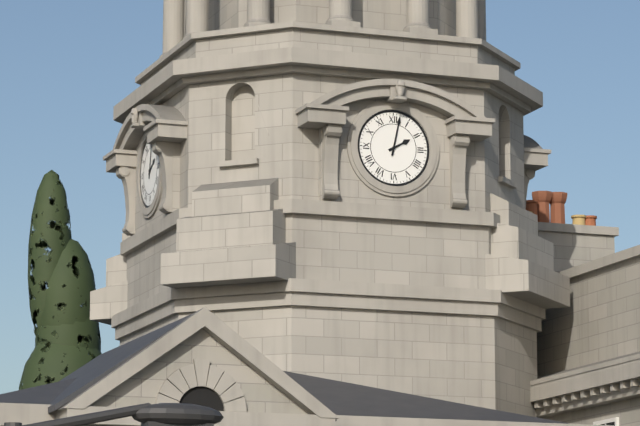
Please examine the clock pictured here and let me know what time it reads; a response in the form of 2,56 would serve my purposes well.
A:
2,02
